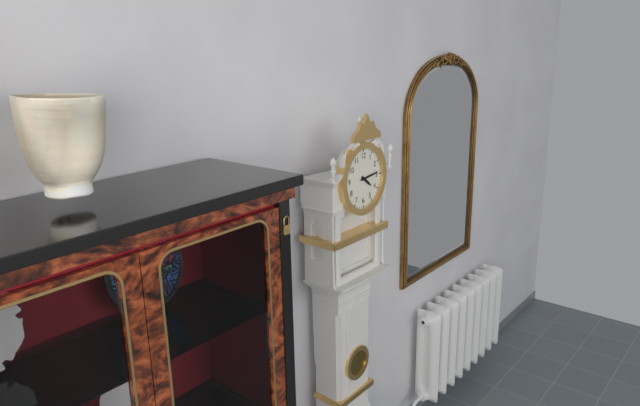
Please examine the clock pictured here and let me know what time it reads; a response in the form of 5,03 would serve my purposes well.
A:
4,14
